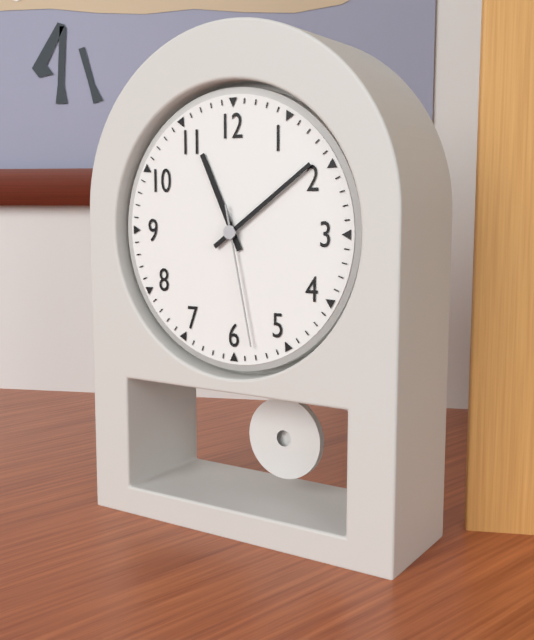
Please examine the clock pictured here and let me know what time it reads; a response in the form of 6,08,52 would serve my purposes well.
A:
11,09,28
